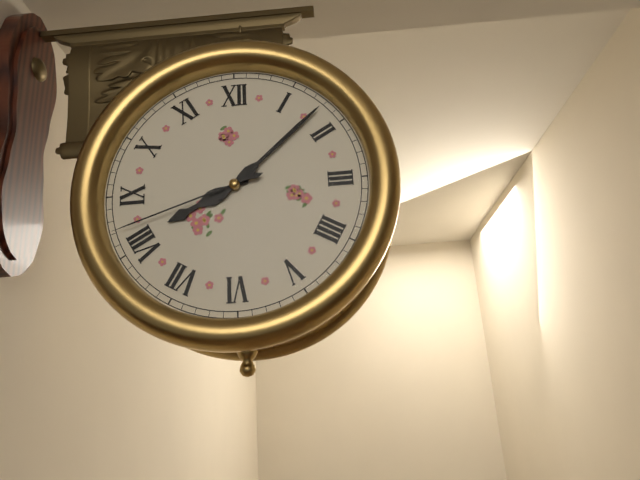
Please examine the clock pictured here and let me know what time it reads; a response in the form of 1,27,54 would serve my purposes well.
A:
8,08,42
